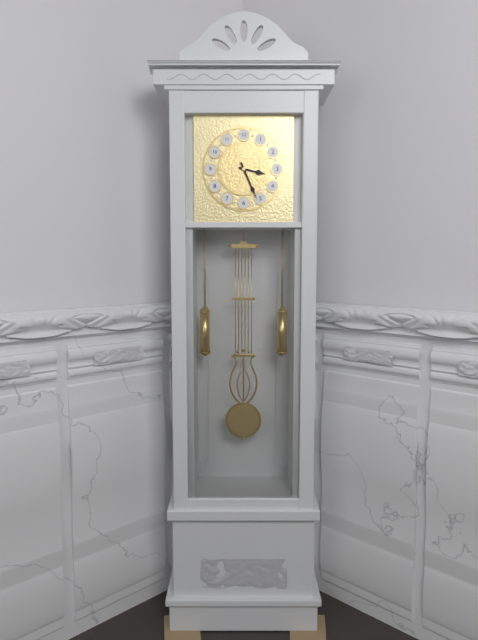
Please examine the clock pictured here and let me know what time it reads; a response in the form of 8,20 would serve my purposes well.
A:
3,26
